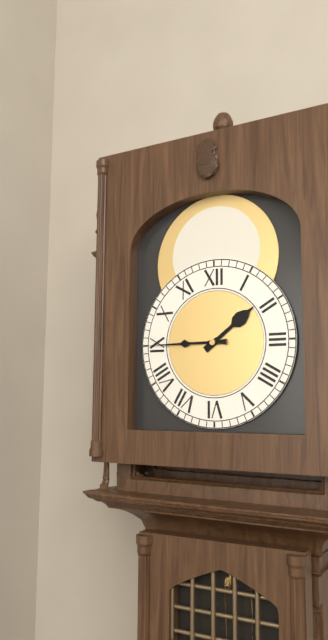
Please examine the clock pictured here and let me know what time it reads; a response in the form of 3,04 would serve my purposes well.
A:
1,45
